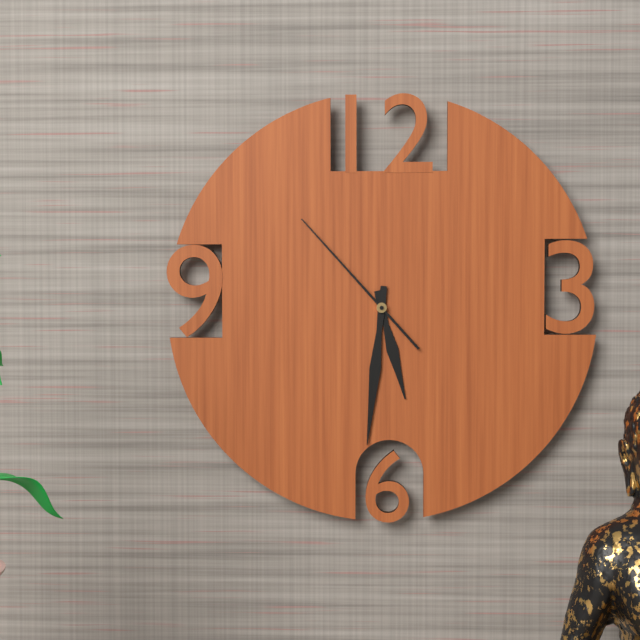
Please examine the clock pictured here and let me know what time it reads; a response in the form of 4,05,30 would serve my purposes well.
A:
5,31,53
